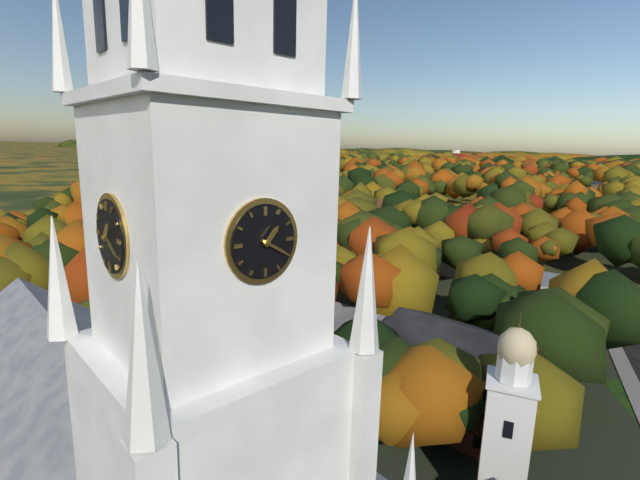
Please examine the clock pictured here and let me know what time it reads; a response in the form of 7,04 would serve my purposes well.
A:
1,20
